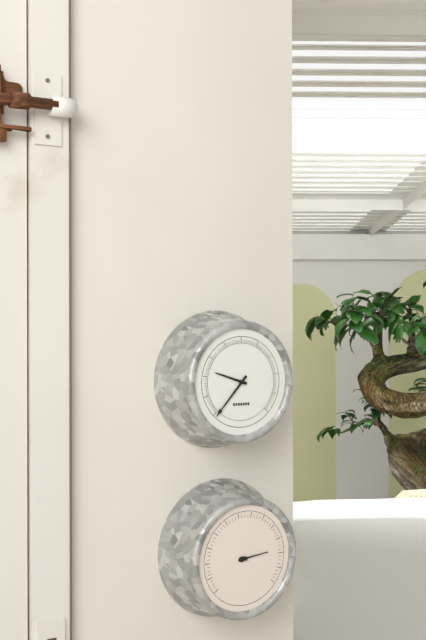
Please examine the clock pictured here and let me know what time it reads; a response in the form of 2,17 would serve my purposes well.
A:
9,37
